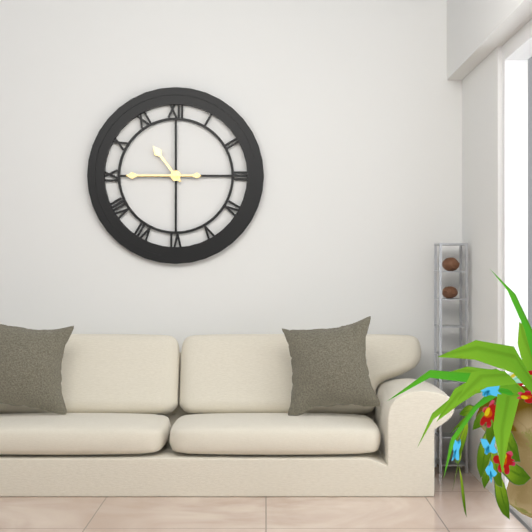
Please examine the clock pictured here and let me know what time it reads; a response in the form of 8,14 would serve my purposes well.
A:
10,45
